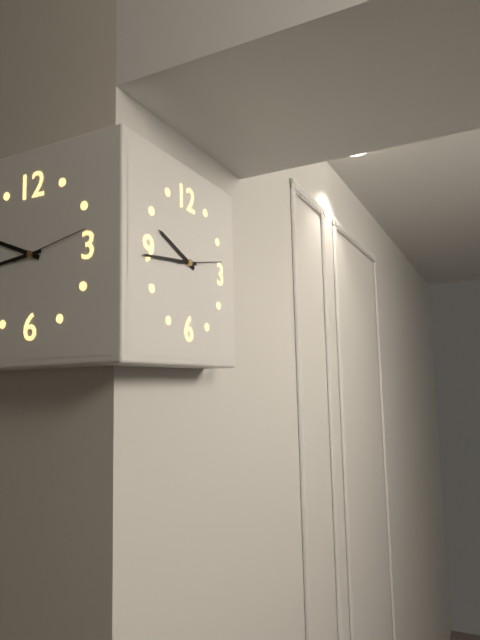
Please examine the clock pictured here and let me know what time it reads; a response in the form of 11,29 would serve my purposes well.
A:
9,44
